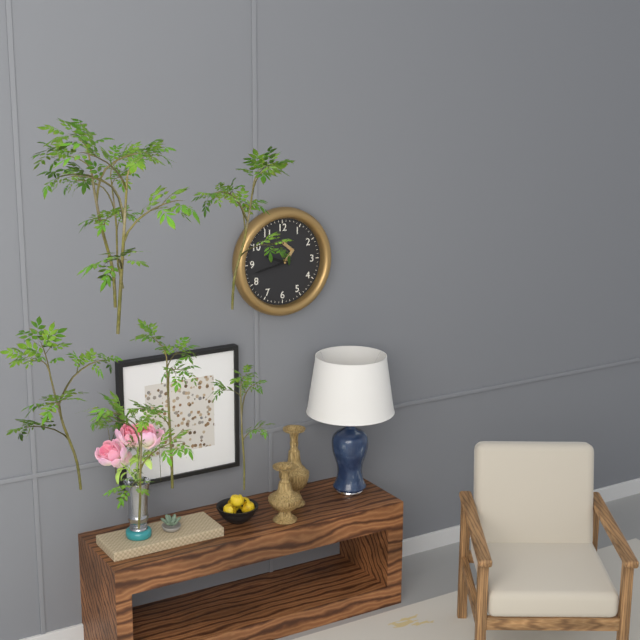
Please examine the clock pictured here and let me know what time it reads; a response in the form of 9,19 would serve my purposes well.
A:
9,43
